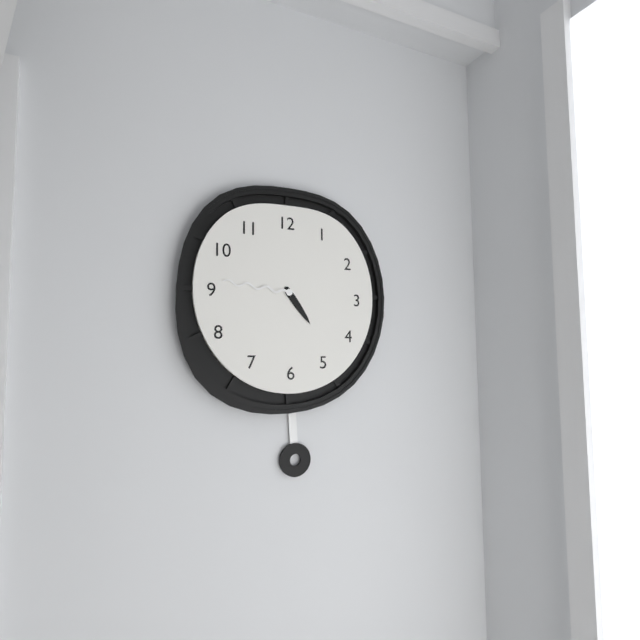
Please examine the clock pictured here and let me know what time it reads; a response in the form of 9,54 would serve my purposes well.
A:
4,46
